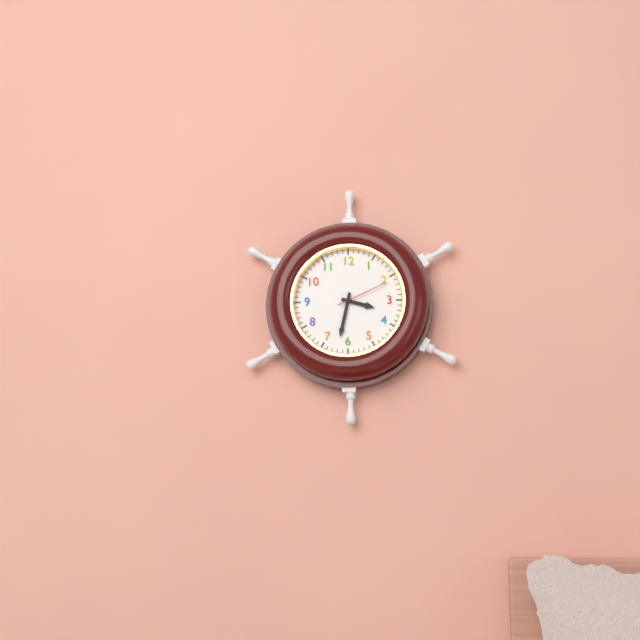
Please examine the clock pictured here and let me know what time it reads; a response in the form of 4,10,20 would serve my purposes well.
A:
3,32,11
